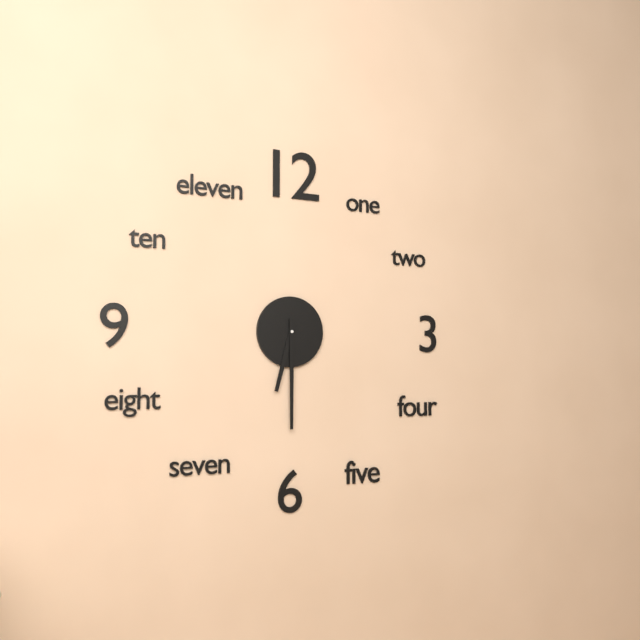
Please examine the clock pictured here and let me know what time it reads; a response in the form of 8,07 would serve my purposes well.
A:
6,30
